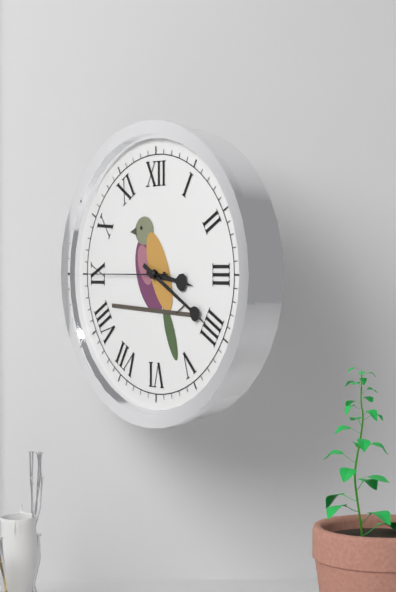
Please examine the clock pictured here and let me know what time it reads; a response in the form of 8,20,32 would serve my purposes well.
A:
3,20,45
